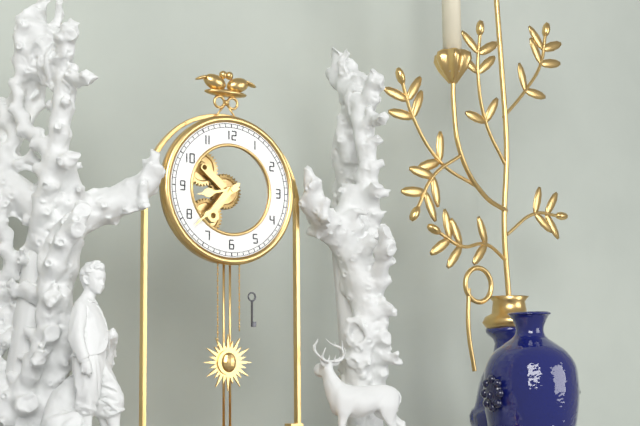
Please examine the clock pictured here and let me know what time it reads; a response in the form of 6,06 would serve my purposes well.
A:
8,38
